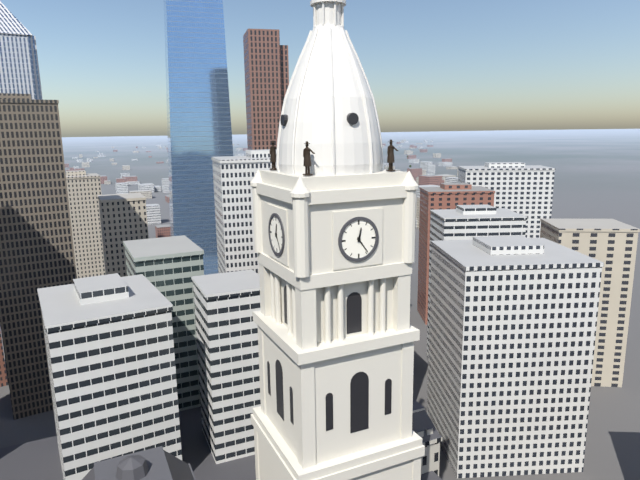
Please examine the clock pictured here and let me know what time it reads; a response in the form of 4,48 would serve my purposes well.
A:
12,24
